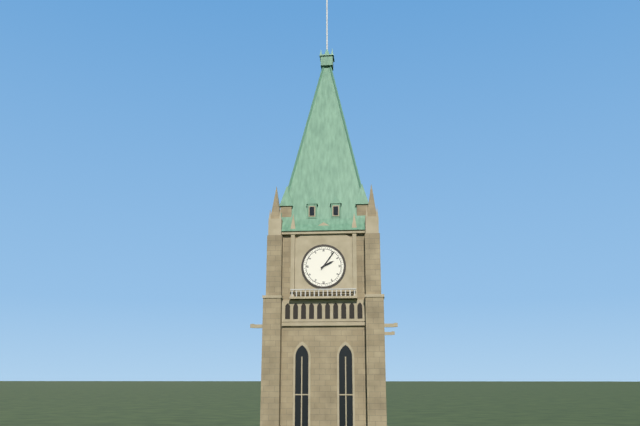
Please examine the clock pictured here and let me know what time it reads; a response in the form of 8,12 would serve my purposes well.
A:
2,06
